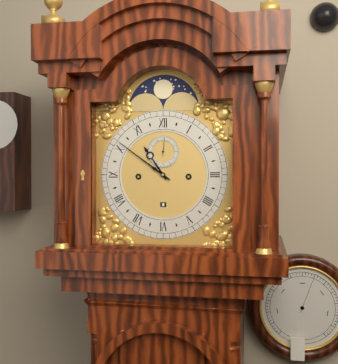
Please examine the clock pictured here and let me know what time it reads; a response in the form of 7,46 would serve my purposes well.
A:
10,51
